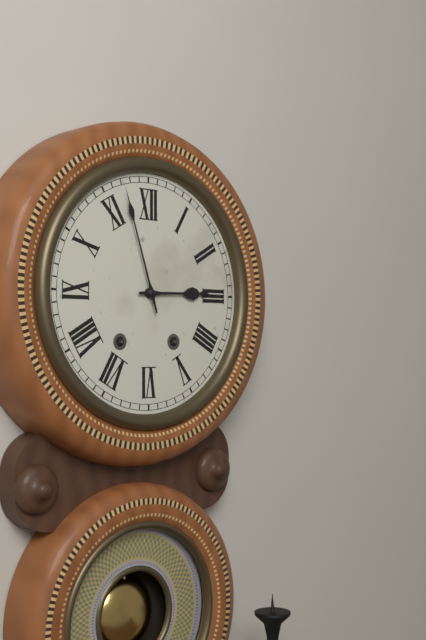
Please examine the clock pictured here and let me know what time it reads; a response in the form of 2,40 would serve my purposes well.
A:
2,57
